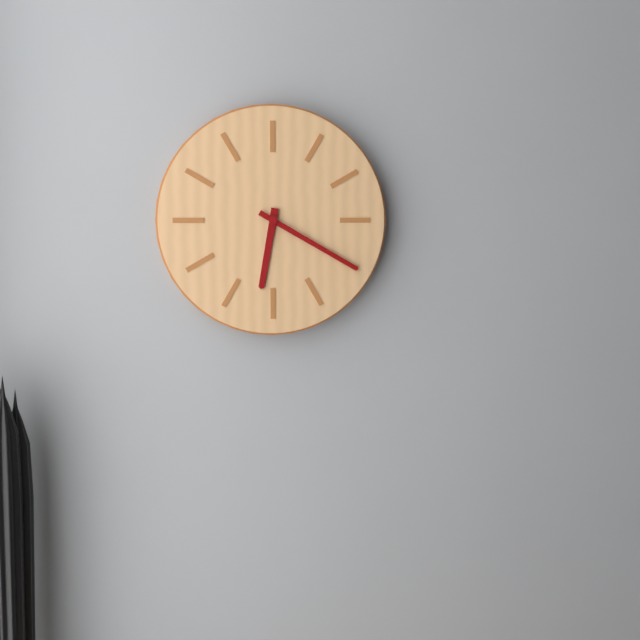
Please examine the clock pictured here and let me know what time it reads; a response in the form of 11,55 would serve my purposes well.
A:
6,20
